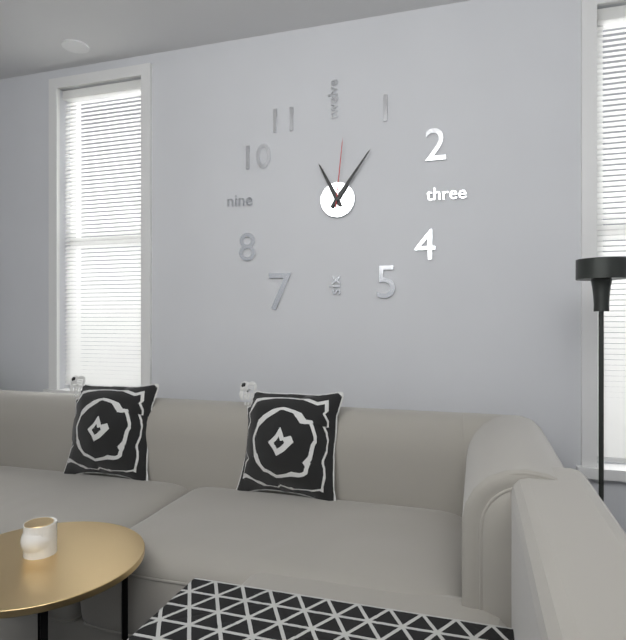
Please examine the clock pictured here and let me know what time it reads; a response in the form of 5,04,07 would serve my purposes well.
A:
11,06,01
